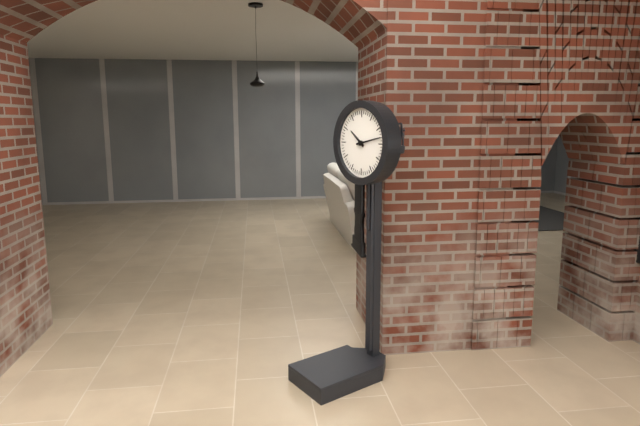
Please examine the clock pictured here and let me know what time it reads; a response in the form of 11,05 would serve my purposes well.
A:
10,13
